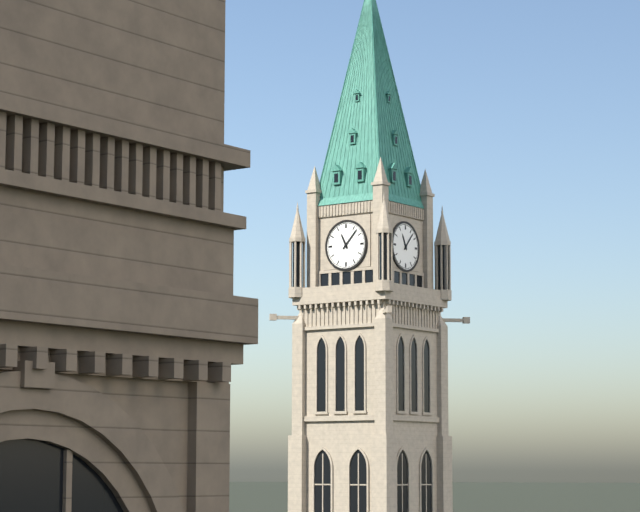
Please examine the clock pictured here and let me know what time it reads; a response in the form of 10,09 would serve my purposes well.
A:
11,07
